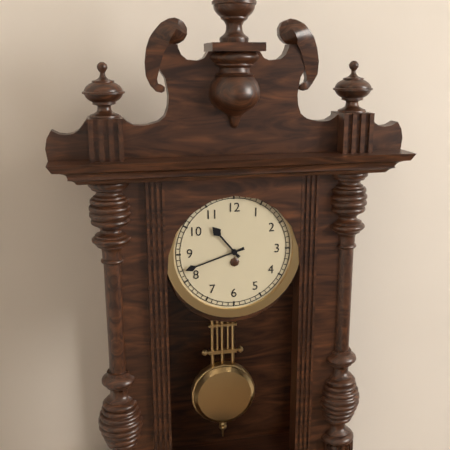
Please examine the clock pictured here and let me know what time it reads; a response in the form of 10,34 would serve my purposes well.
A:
10,42
